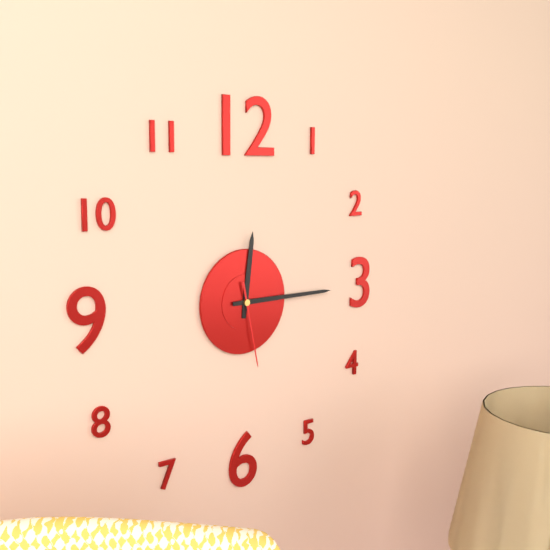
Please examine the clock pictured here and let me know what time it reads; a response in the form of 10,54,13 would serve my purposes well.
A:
12,15,28
